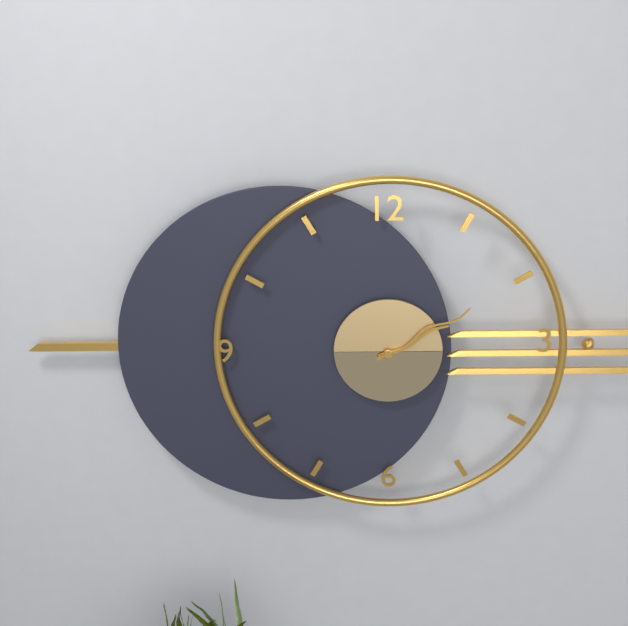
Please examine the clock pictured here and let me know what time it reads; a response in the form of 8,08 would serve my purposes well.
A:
2,10
